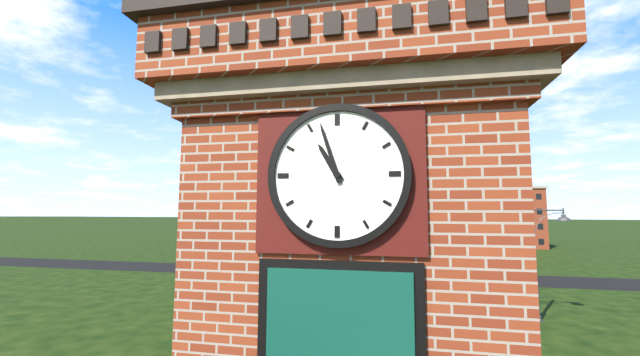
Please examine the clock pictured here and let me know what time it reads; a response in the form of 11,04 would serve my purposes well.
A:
10,57
